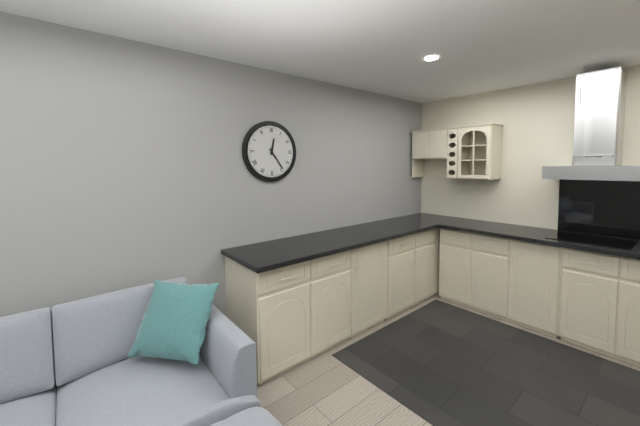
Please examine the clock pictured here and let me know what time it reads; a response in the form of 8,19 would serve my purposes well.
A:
12,24
